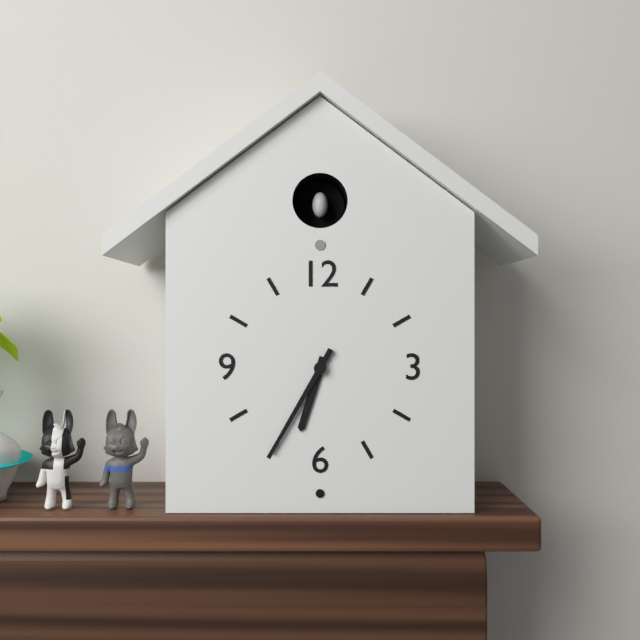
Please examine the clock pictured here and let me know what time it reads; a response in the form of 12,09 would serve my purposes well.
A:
6,35
